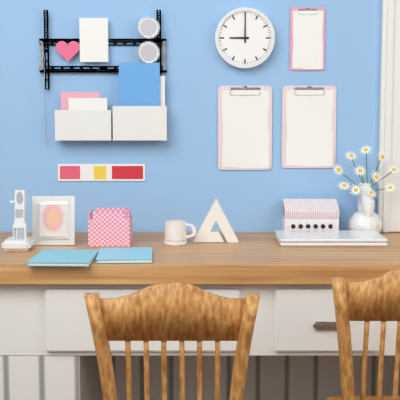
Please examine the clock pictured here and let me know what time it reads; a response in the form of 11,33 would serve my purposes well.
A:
9,00
